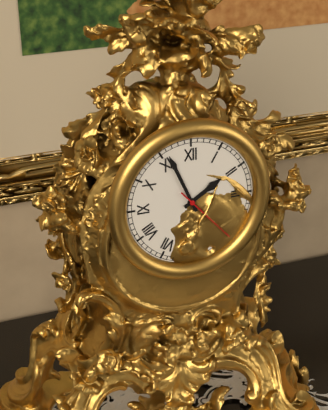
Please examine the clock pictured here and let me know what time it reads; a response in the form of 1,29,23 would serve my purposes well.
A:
1,56,23
